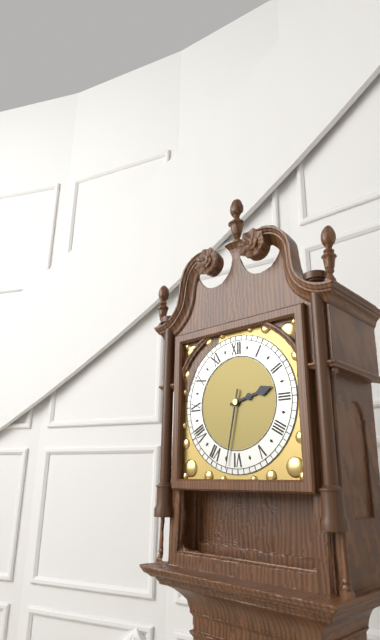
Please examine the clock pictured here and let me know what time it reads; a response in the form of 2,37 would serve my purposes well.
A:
2,32
